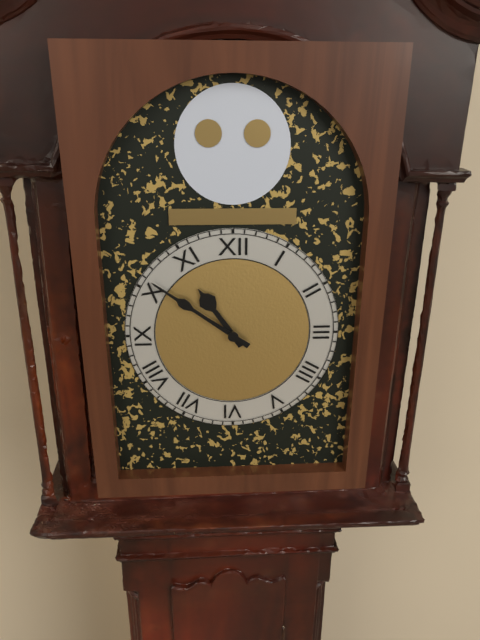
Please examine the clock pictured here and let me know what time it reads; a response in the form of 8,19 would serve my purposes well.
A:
10,51
